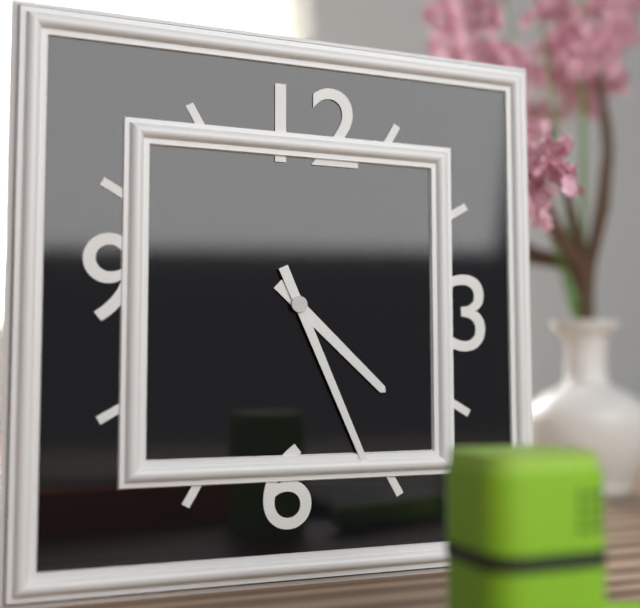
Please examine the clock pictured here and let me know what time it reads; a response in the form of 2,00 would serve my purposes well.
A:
4,26
